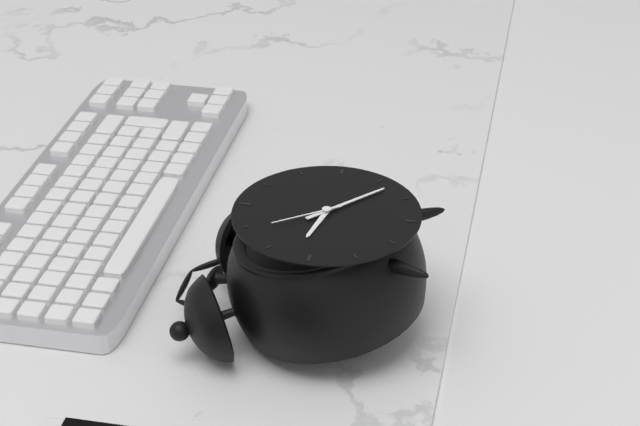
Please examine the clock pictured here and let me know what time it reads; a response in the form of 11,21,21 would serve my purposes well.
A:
9,22,54
